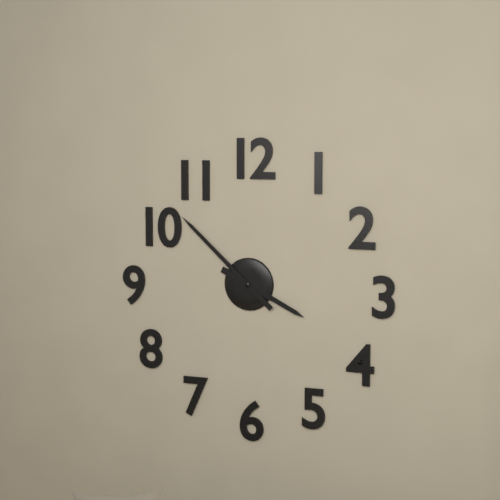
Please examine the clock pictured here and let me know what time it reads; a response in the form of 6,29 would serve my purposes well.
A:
3,52
